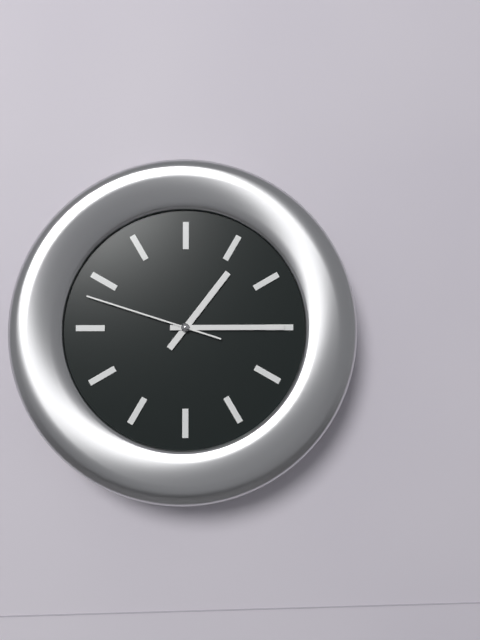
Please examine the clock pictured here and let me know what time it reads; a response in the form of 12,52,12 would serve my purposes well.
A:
1,15,48
